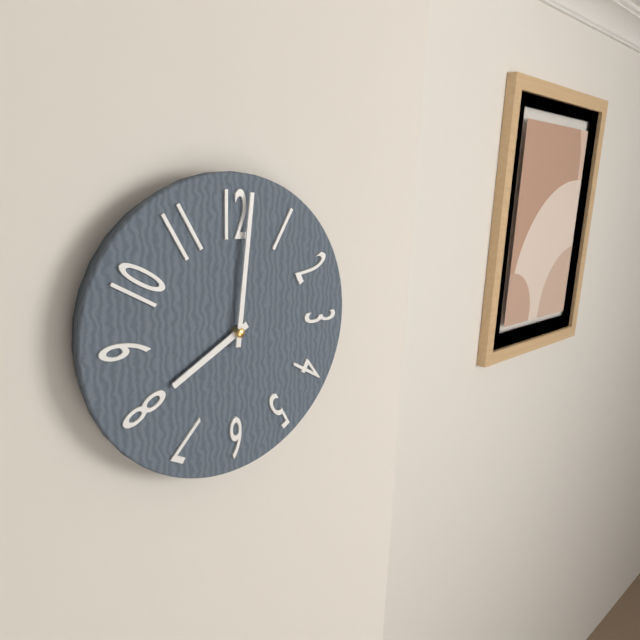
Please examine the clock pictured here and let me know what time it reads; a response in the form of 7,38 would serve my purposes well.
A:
8,01
